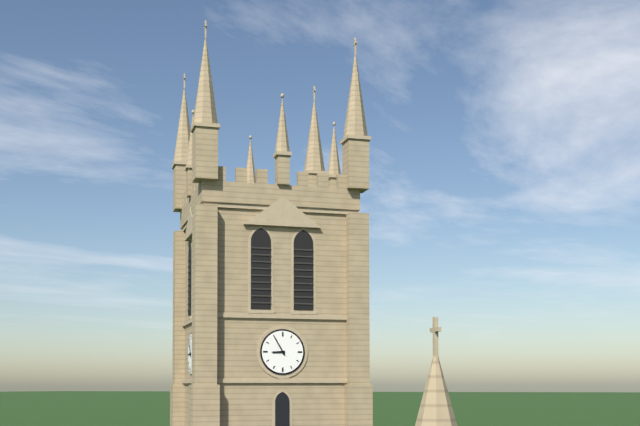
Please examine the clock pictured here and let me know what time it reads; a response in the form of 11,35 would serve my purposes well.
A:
8,55
